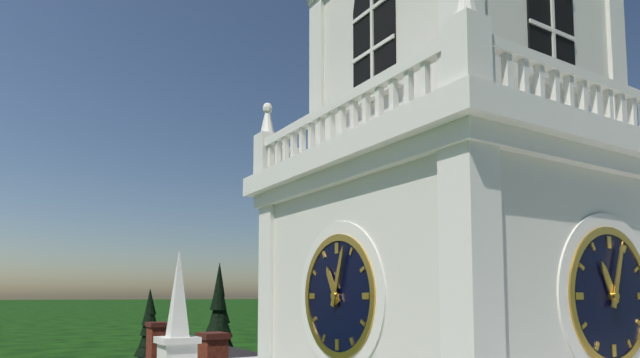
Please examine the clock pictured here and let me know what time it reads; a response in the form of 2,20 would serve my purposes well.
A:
11,03
